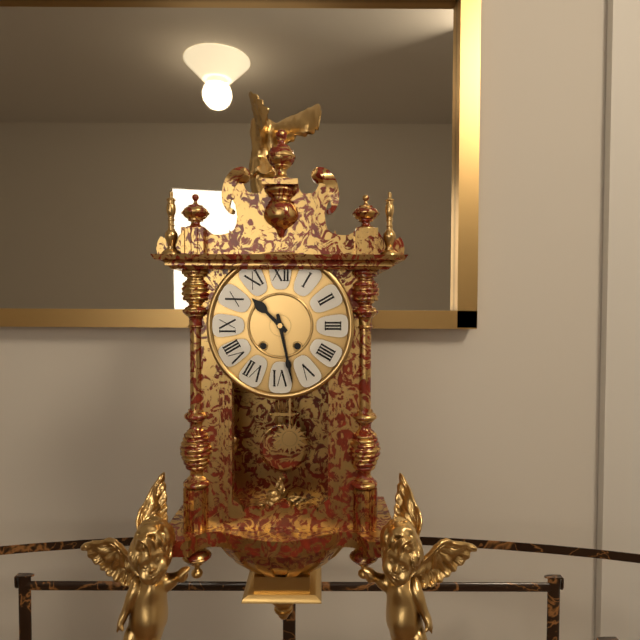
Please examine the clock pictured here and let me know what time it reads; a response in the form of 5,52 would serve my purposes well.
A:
10,28
